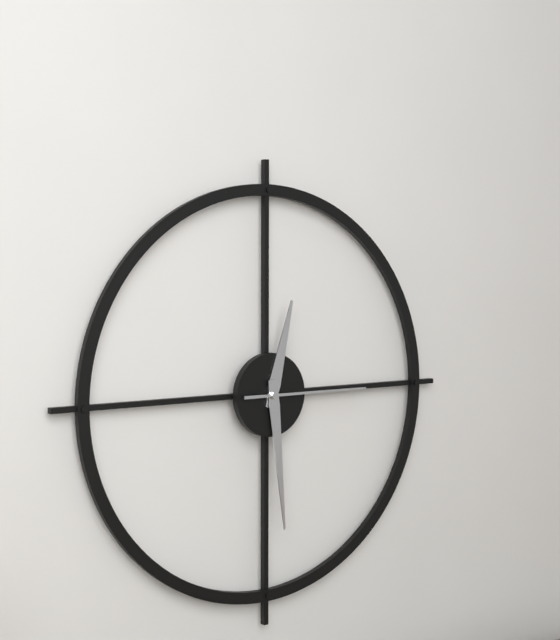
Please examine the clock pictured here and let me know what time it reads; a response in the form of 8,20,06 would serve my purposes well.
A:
12,29,15
